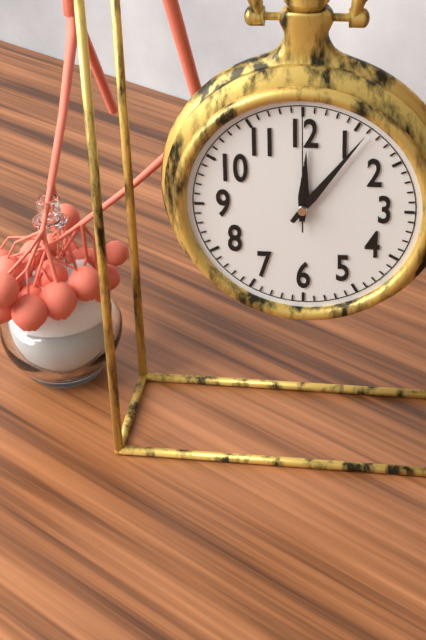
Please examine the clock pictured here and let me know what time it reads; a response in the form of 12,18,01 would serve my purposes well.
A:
12,06,00
